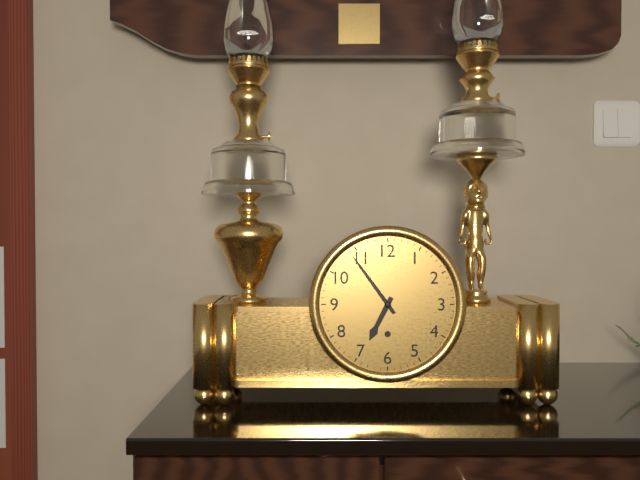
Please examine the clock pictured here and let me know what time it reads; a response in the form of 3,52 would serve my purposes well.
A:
6,54
